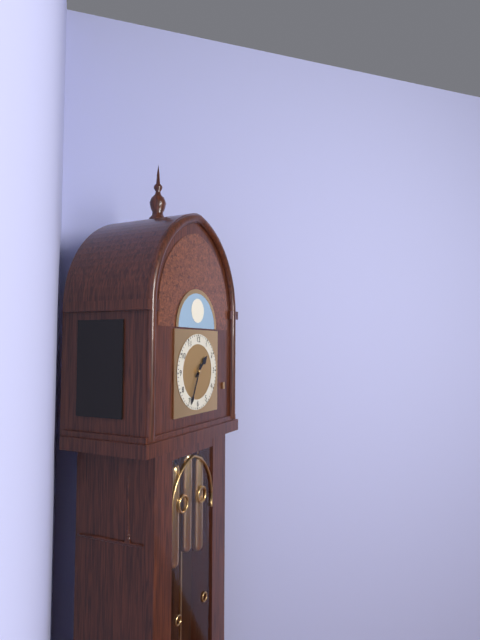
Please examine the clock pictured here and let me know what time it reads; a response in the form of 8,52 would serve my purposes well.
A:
1,34
